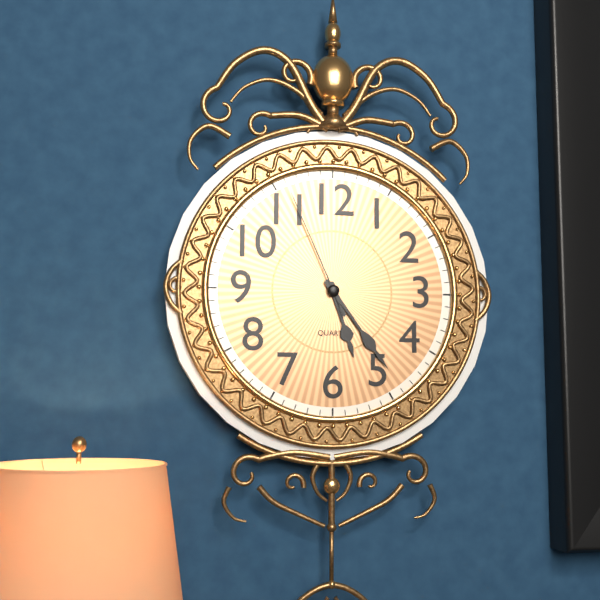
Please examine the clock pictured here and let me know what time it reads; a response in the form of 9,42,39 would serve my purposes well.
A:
5,24,56
